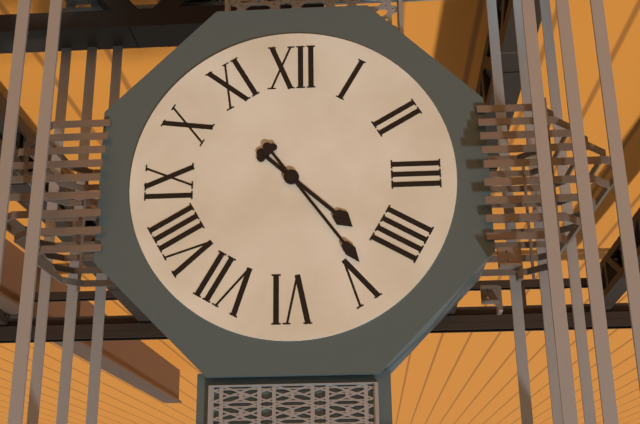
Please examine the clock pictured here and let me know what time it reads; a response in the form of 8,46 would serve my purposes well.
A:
4,24
